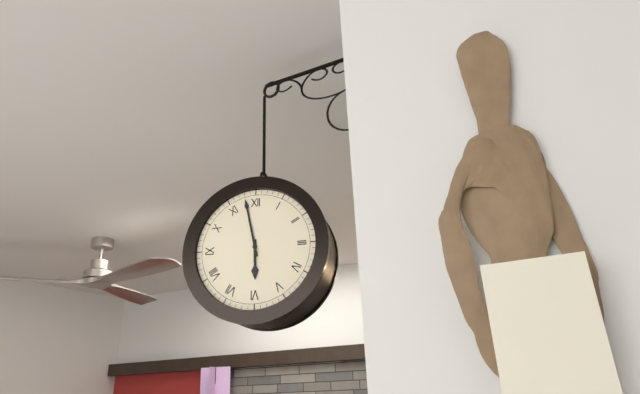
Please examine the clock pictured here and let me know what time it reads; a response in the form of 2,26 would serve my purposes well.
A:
5,58
